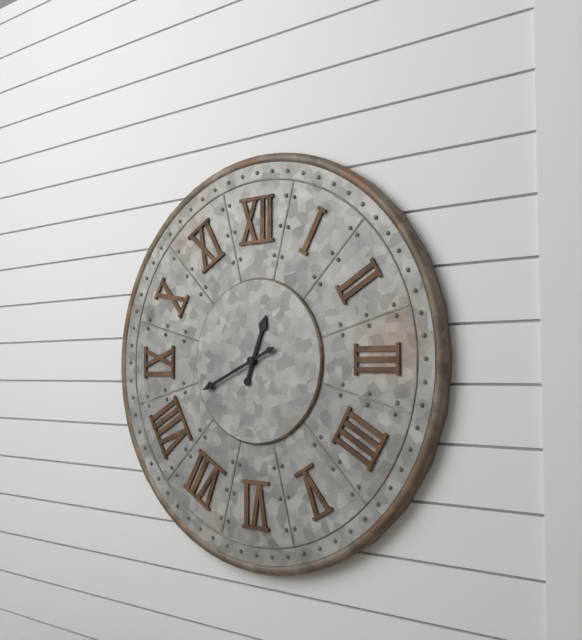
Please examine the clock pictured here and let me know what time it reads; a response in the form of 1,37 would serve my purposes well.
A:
12,41
